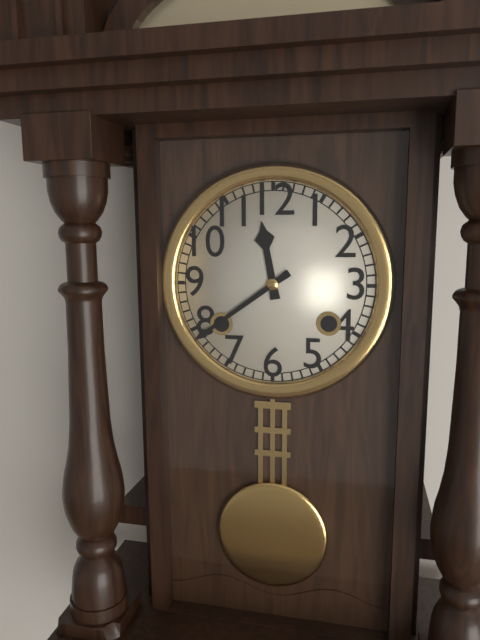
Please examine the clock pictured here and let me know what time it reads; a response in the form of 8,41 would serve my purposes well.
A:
11,39
